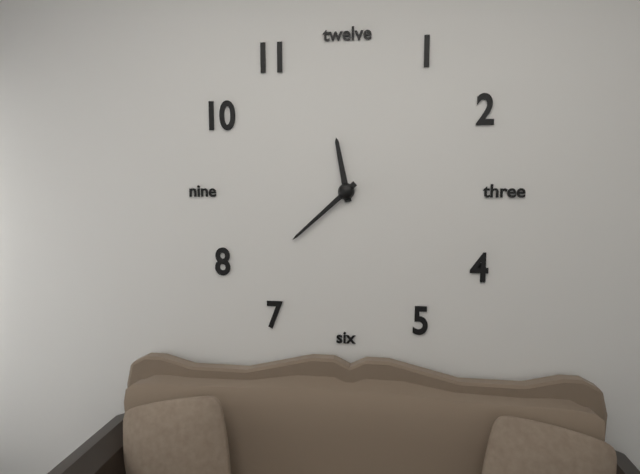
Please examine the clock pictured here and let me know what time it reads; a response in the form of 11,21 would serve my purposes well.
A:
11,38
